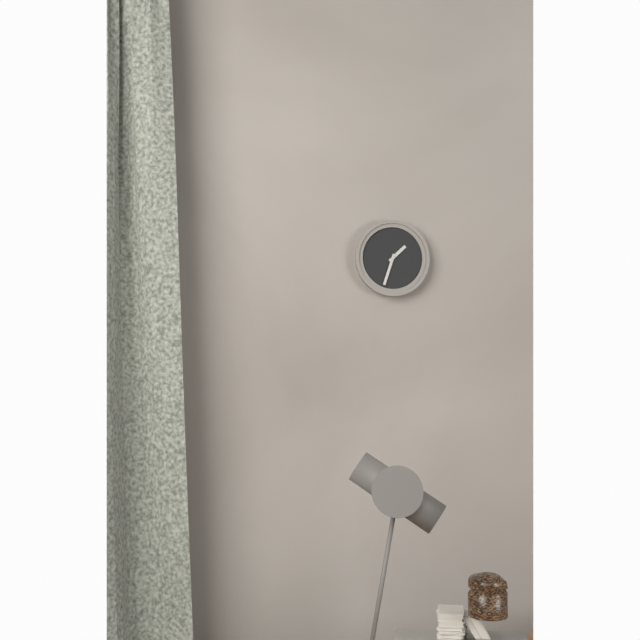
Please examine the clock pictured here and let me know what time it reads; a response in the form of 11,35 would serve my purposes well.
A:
1,33
